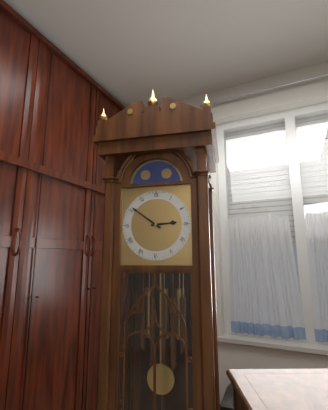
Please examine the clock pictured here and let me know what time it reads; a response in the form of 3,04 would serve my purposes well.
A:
2,51
